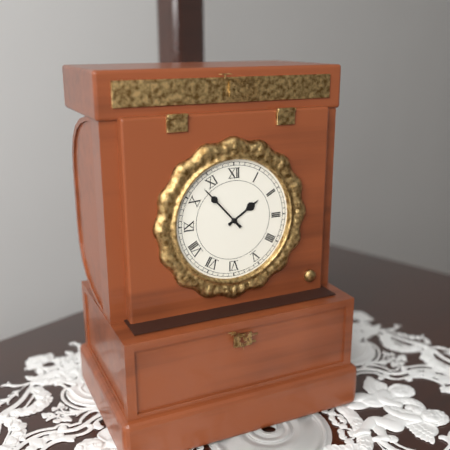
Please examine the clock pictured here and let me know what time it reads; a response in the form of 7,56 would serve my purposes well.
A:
1,53
